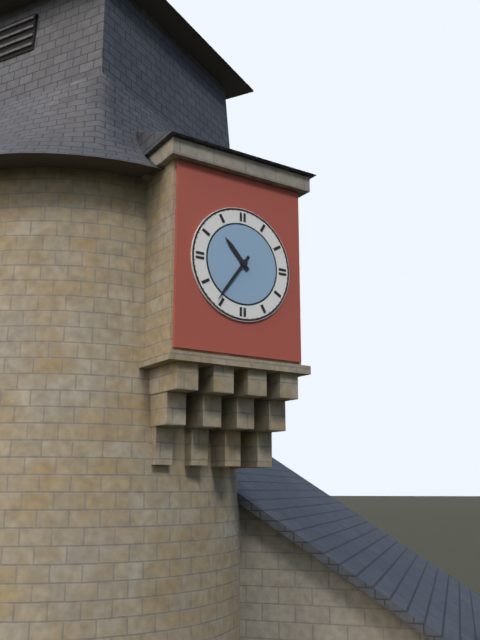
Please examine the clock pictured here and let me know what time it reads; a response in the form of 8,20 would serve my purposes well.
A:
10,36
